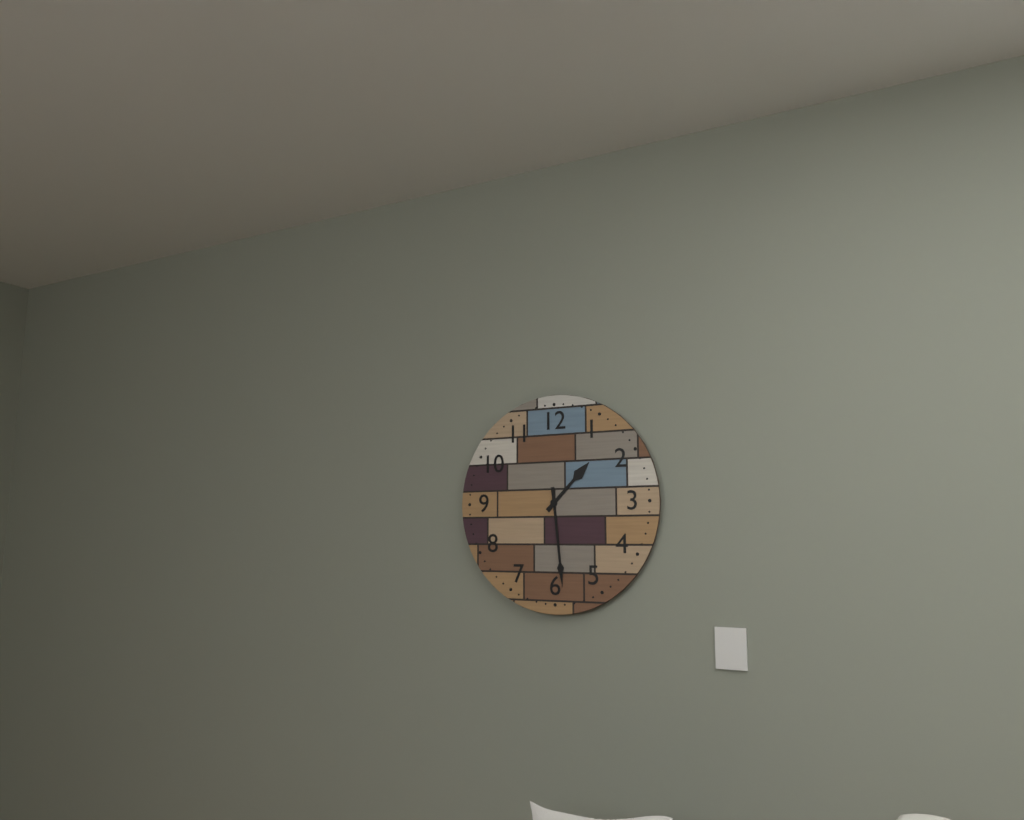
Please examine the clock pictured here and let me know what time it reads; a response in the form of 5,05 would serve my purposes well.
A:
1,29
